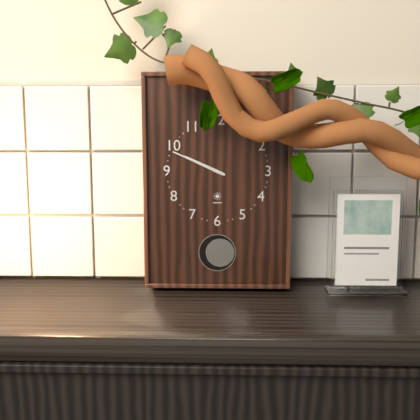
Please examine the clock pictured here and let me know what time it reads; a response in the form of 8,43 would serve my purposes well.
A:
9,49
